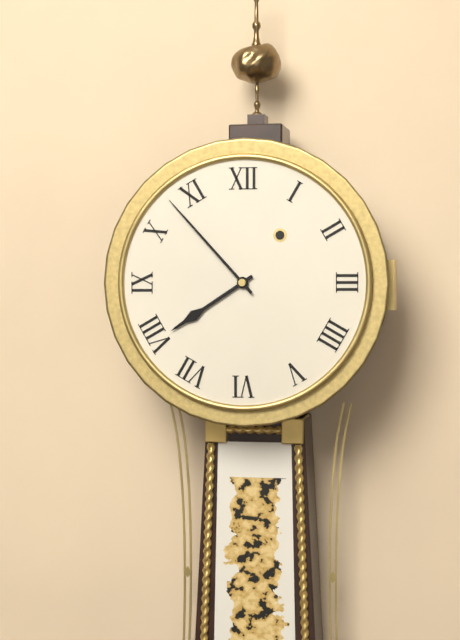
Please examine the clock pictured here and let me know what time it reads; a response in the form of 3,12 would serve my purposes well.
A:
7,53
